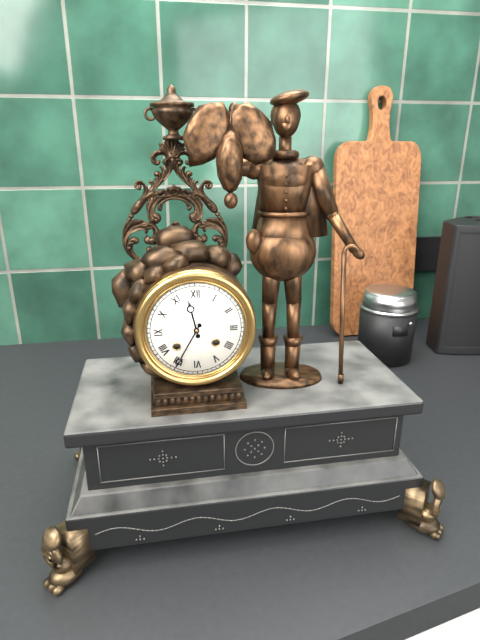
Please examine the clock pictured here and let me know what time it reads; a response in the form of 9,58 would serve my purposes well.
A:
11,35
